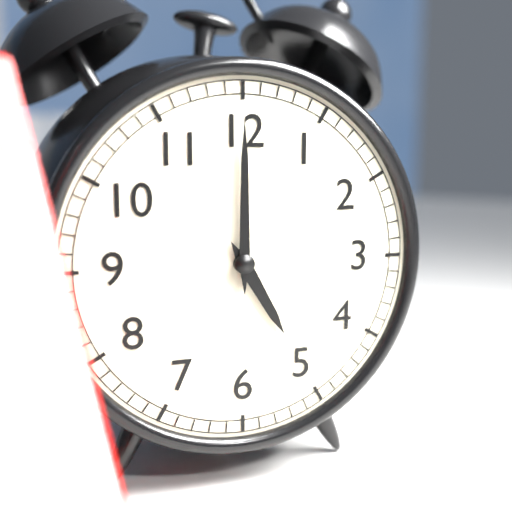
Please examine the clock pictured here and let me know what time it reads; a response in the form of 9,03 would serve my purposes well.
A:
5,00
